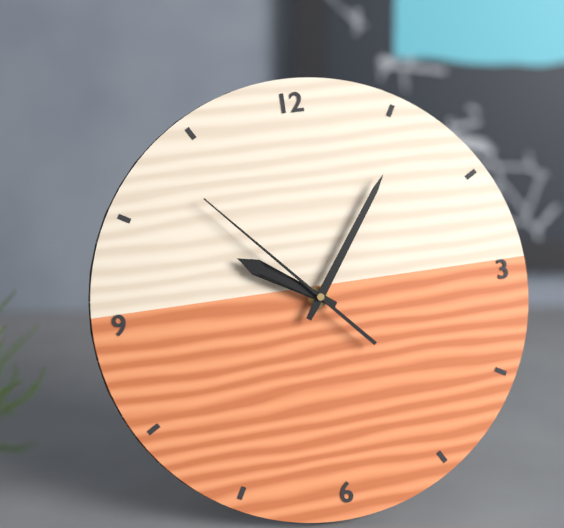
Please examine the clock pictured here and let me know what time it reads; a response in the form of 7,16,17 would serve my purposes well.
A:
10,06,53
